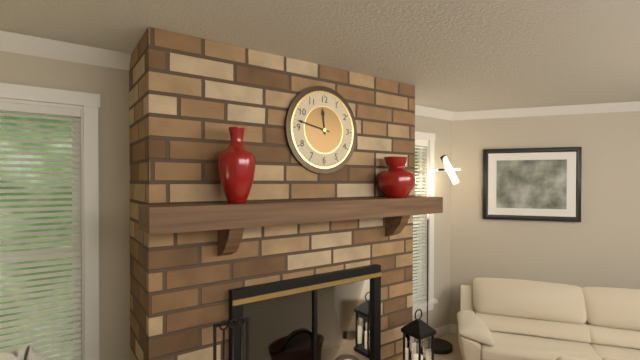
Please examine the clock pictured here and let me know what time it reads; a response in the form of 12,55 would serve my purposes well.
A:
11,47
